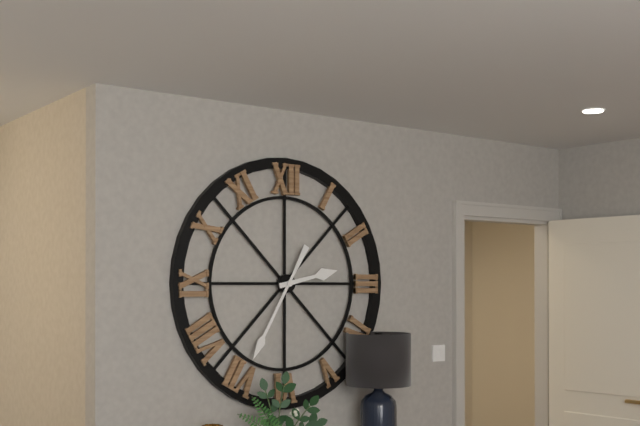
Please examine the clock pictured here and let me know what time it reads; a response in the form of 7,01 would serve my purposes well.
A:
2,35
